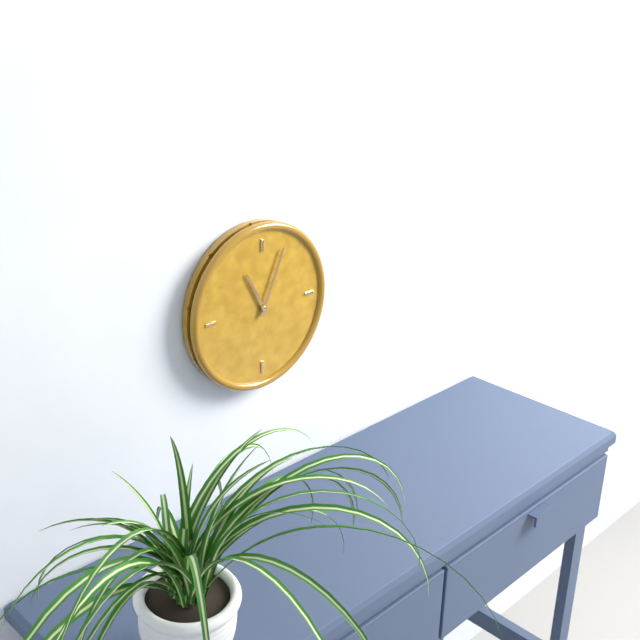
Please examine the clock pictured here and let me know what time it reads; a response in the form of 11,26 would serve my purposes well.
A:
11,04
